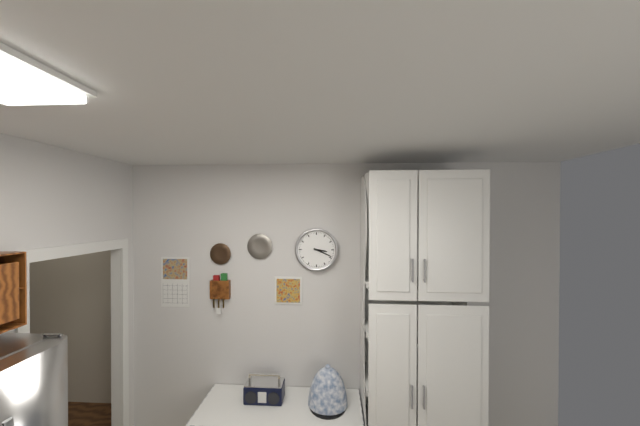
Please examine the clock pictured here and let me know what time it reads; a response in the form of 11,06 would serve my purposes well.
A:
3,19
